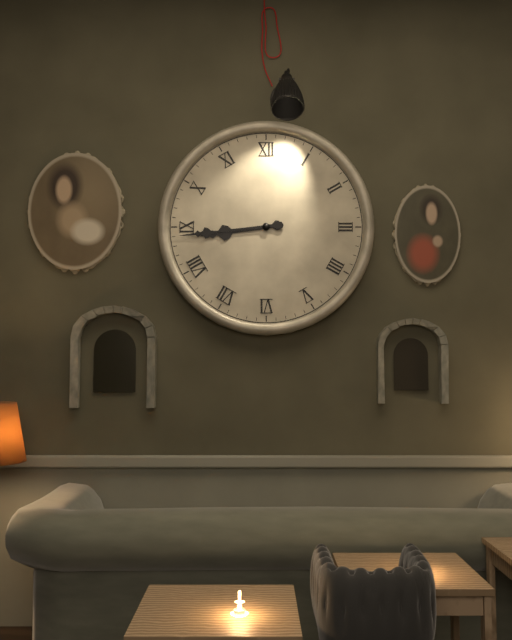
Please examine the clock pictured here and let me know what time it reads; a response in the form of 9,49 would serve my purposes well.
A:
8,44
